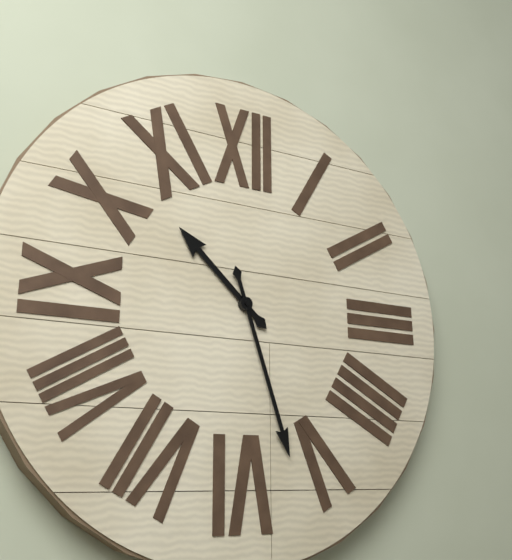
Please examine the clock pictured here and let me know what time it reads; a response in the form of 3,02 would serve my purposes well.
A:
10,27
